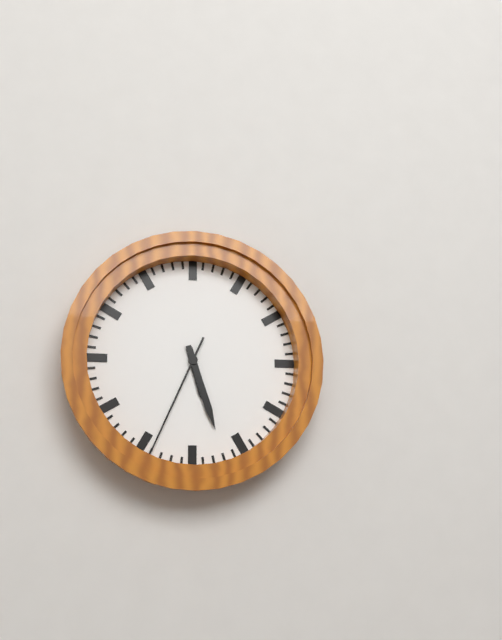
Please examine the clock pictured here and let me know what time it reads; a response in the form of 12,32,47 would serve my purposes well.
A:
5,27,34
